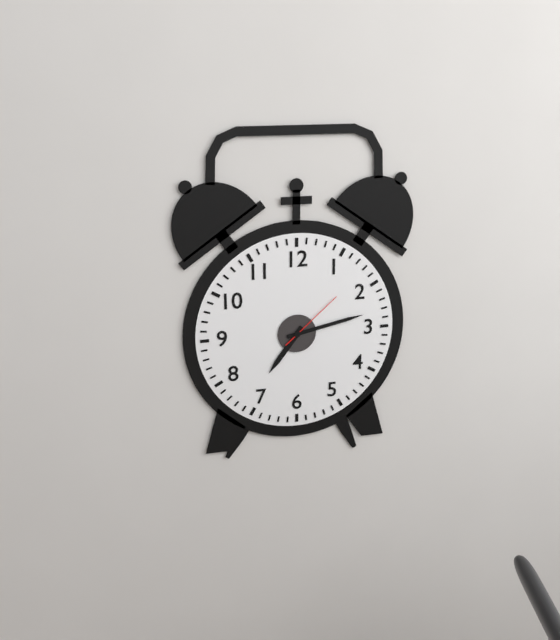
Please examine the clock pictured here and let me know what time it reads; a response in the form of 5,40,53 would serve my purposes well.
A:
7,13,08
